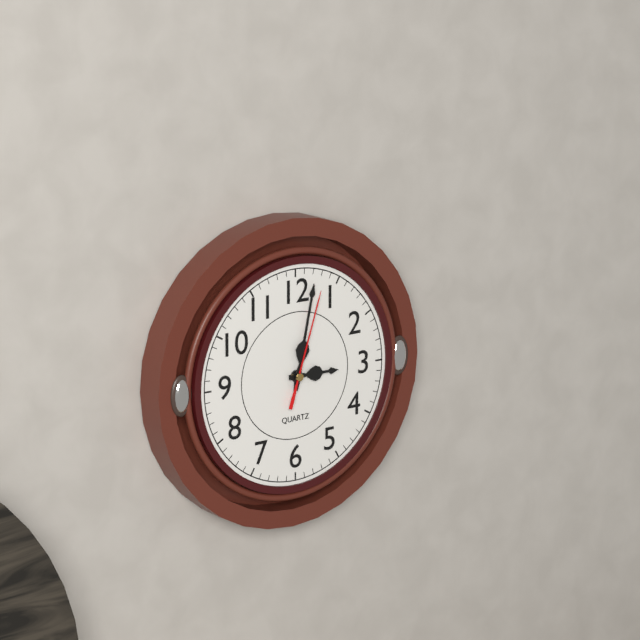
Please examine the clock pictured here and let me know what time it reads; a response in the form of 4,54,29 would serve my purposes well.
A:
3,02,03
